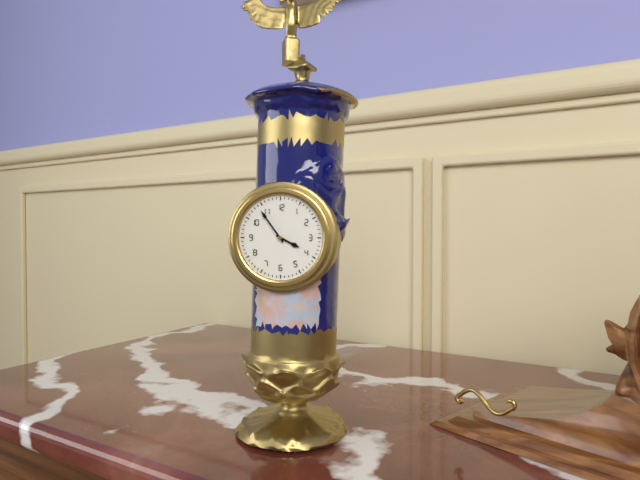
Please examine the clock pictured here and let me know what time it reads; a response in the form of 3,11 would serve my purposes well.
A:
3,54
